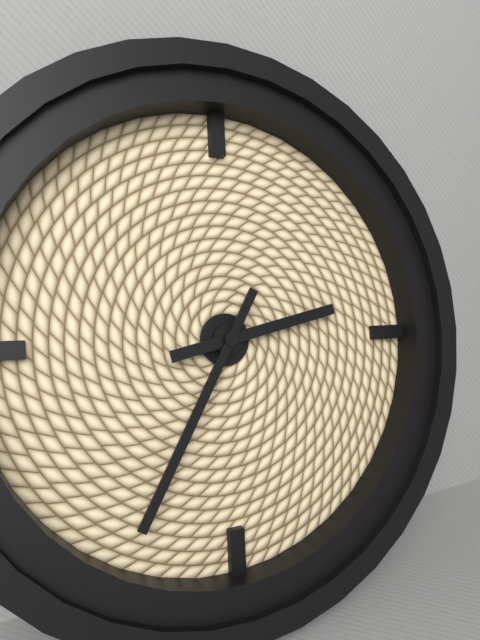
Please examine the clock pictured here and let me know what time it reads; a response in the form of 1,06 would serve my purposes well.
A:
2,35
